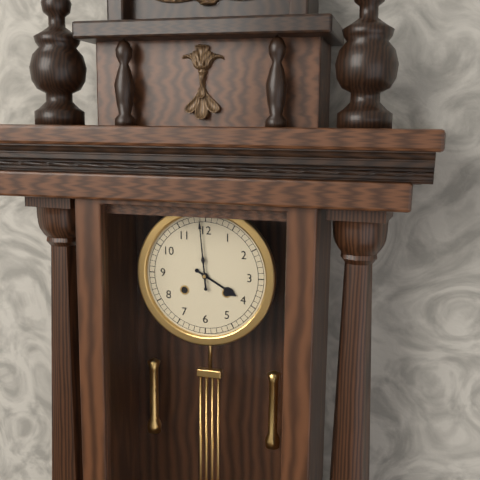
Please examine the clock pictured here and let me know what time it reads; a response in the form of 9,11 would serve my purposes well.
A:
3,59
